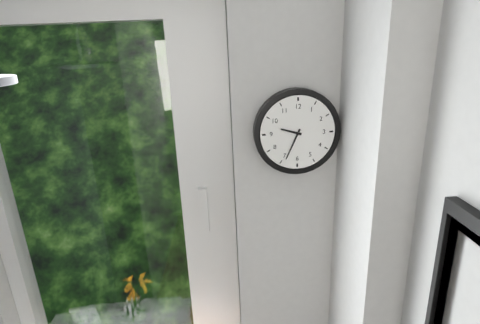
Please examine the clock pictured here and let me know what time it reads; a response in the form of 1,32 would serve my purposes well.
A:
9,34
